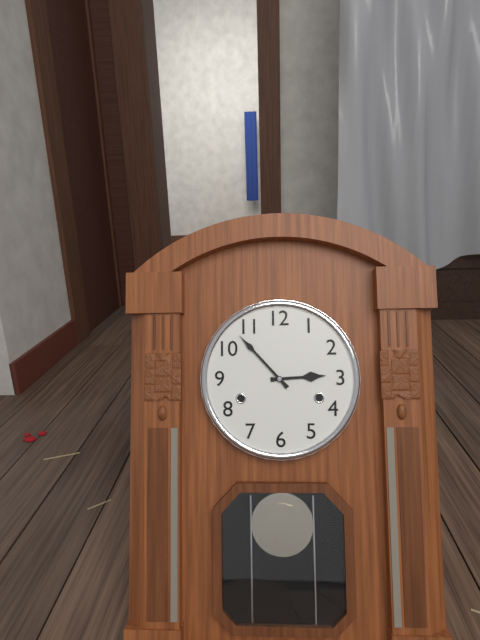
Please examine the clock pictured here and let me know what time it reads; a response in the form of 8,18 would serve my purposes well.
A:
2,53
